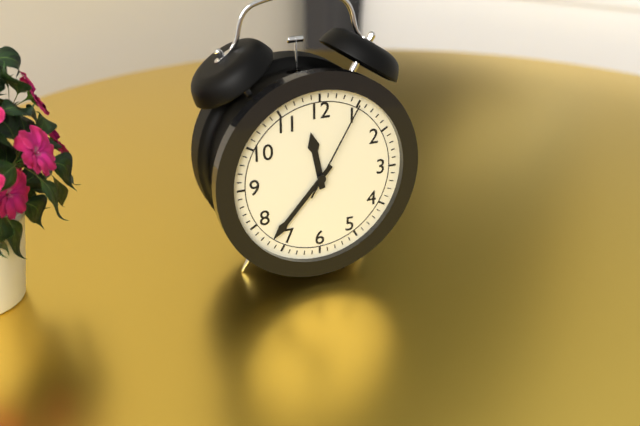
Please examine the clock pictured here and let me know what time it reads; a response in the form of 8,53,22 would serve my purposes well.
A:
11,37,05
